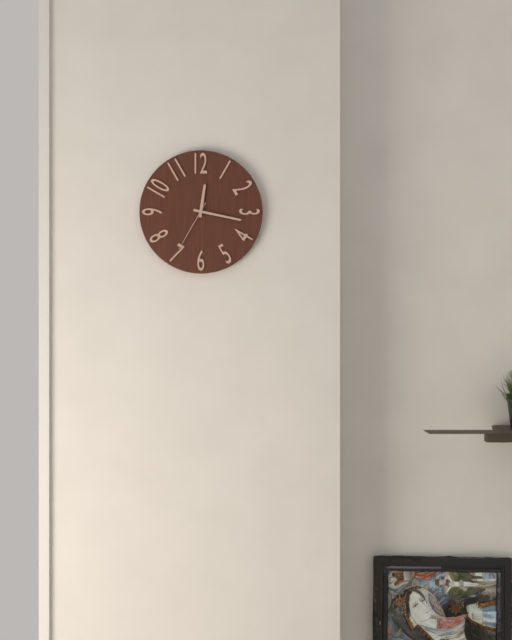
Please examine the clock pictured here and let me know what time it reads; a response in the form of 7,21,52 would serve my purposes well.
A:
12,17,35
